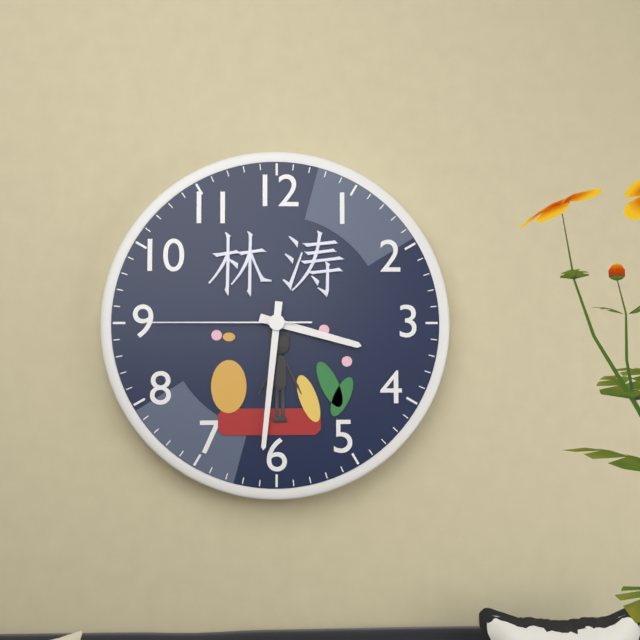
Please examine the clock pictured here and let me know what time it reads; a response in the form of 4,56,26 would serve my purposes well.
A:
3,31,45
